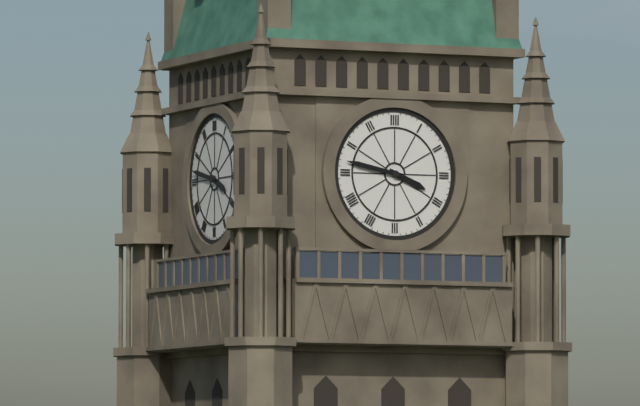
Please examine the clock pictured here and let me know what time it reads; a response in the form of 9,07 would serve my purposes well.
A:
3,47
